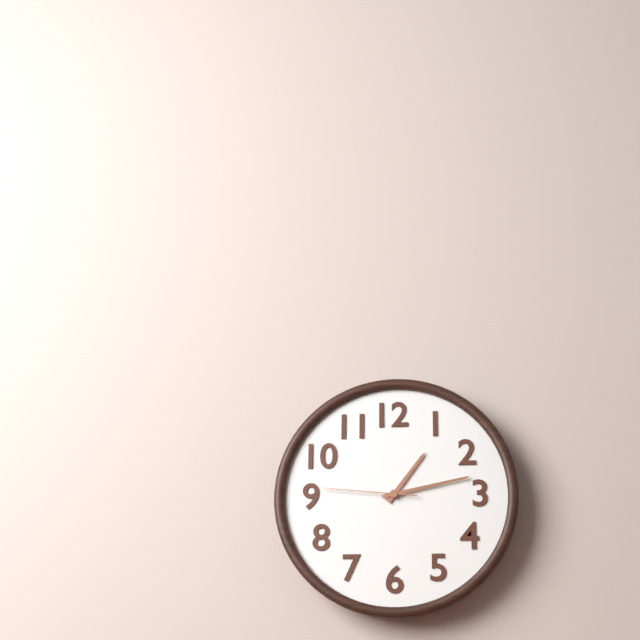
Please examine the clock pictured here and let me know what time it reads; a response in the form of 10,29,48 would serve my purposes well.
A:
1,13,46
